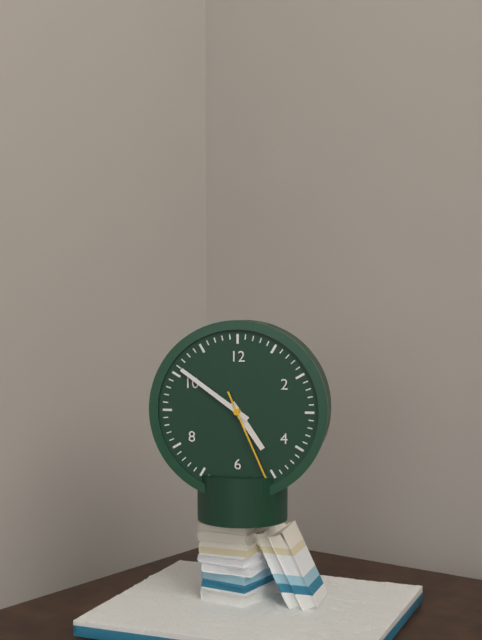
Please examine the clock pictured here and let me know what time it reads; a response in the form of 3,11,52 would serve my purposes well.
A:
4,51,26
